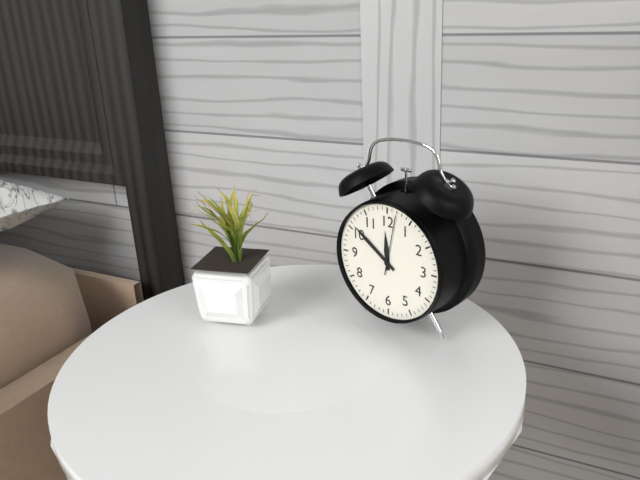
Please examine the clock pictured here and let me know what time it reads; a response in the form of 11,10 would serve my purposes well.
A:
11,51
